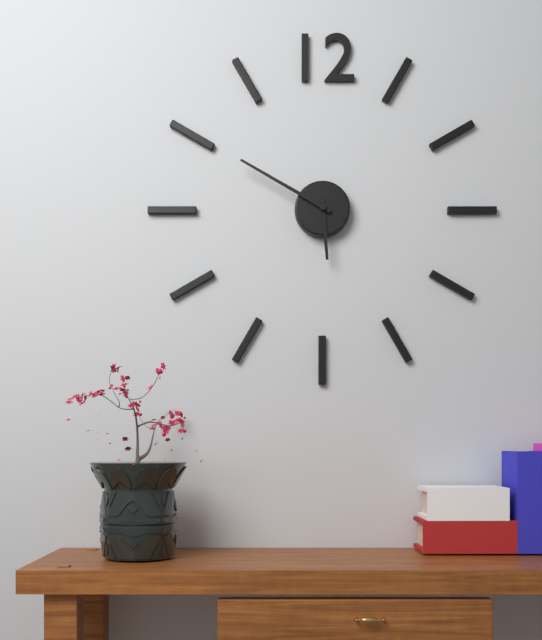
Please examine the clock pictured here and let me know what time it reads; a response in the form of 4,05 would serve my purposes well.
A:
5,50
